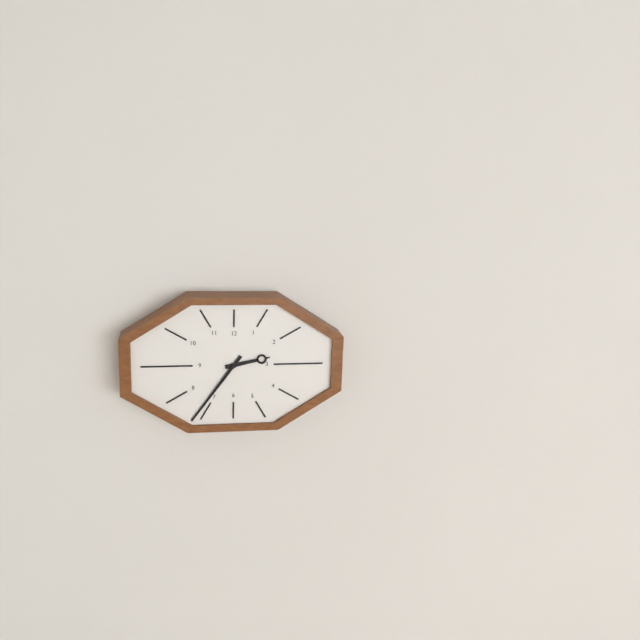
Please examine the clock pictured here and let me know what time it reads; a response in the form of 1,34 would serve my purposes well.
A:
2,36
